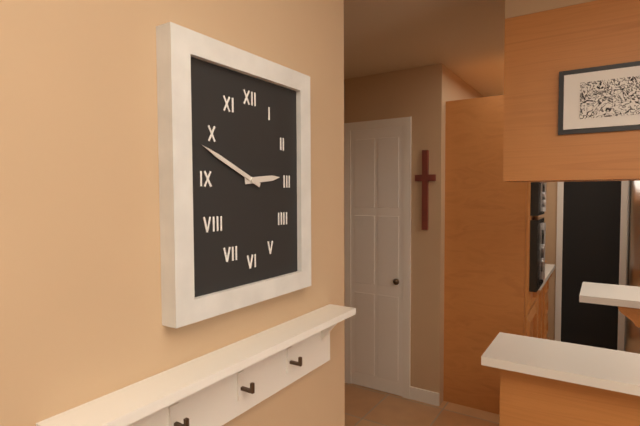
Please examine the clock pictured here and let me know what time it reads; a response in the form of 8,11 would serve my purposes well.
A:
2,49
